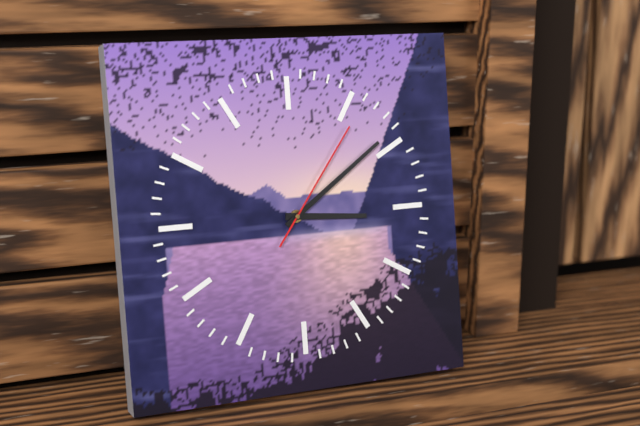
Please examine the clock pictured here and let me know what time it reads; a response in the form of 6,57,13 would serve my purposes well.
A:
3,09,06
